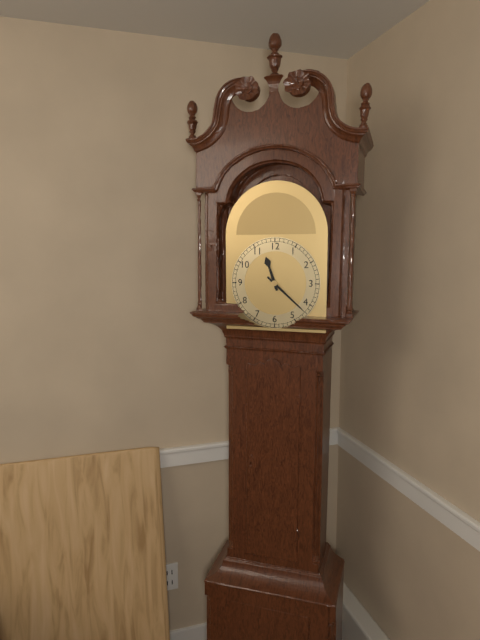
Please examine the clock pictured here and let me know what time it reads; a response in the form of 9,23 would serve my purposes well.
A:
11,22
